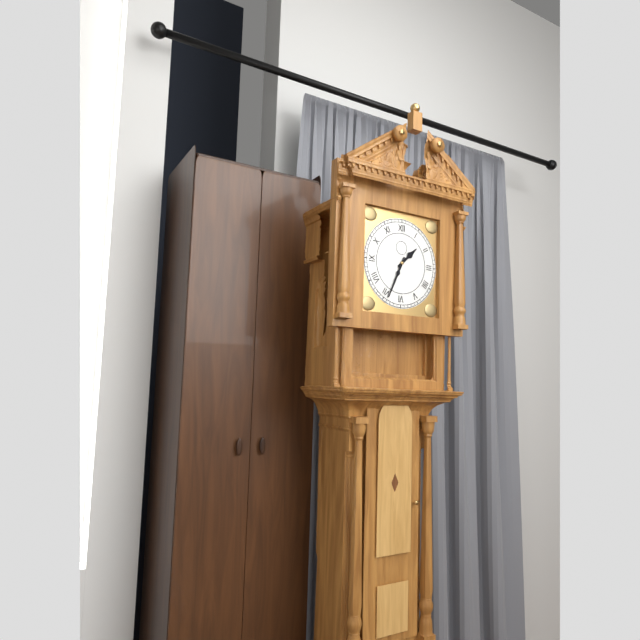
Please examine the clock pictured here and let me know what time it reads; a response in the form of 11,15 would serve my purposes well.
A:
1,34
